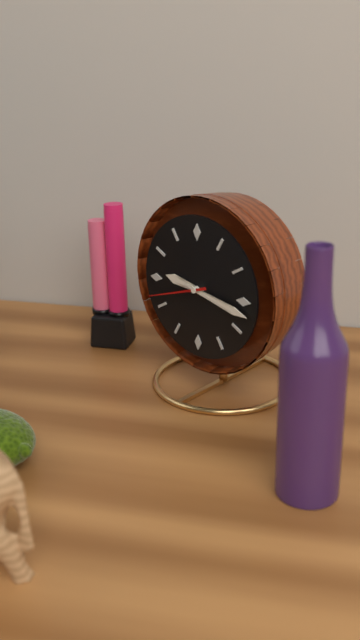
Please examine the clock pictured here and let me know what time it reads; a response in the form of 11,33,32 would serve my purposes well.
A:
9,17,42
